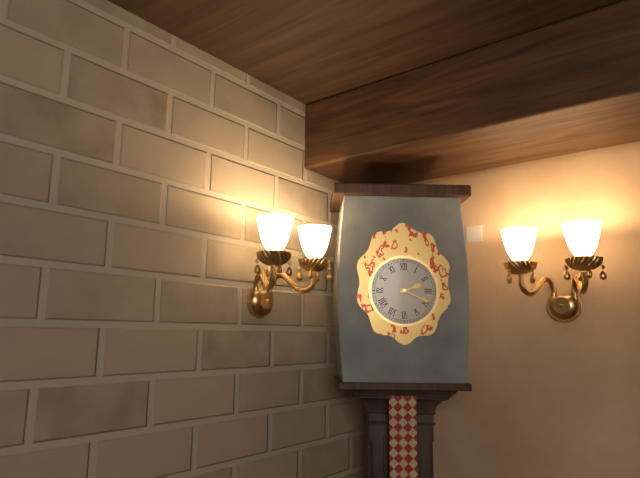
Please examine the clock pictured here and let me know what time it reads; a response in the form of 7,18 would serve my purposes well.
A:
2,19
